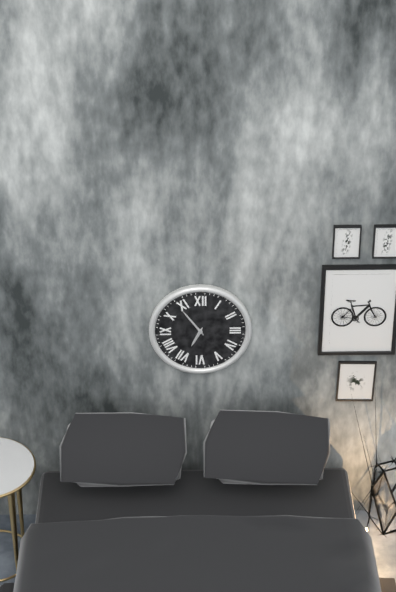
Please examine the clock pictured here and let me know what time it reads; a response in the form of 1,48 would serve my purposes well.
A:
6,54
